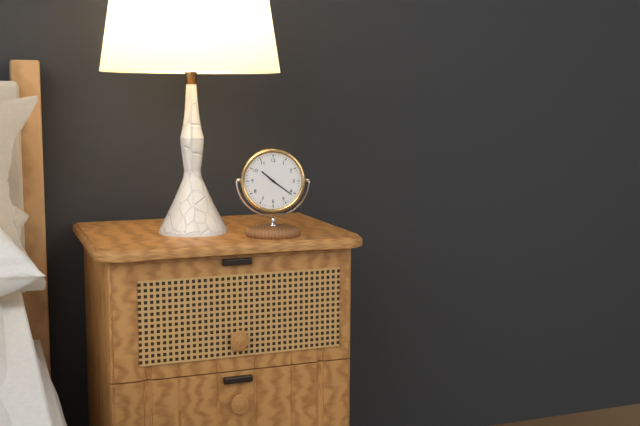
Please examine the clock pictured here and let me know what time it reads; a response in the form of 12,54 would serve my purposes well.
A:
10,21
